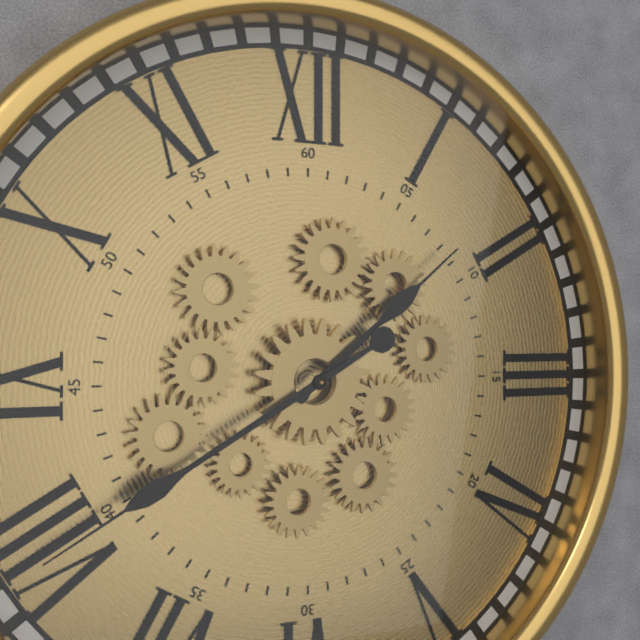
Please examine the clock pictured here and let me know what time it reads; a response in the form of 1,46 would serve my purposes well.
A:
1,40
